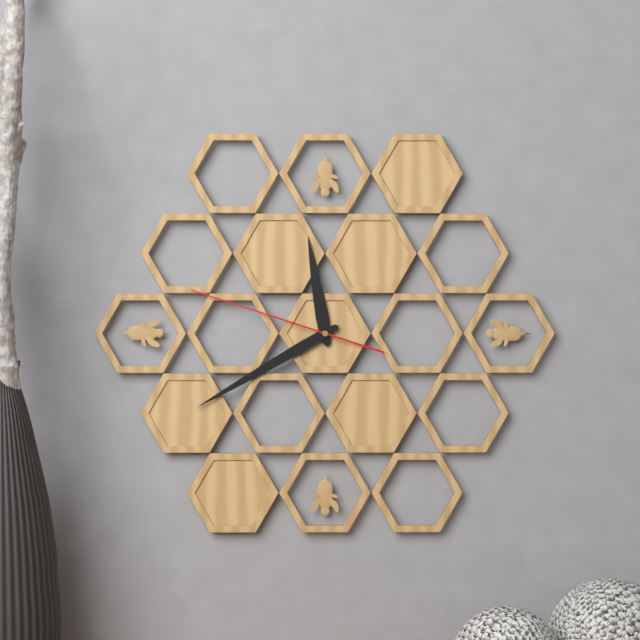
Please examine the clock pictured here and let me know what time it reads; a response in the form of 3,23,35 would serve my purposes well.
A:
11,40,48
